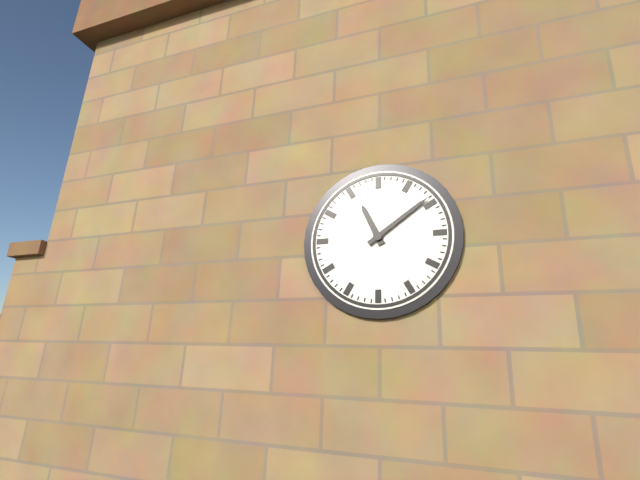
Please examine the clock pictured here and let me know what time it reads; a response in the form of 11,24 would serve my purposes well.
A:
11,09
